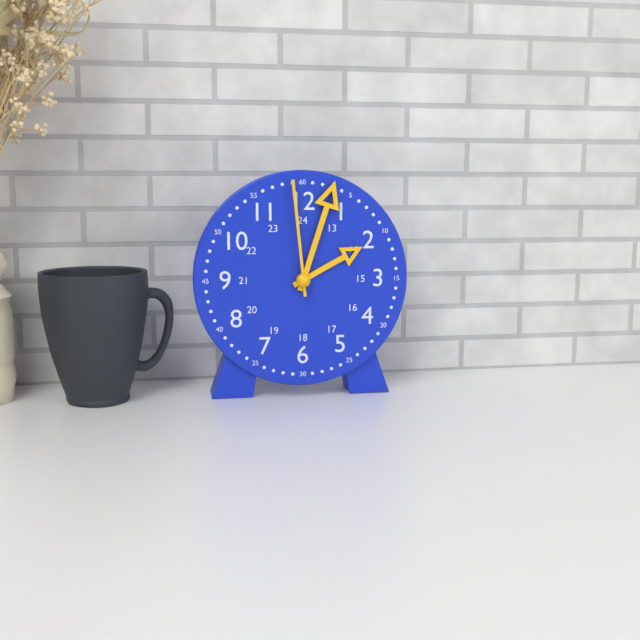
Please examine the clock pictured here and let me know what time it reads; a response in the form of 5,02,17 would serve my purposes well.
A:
2,03,59
